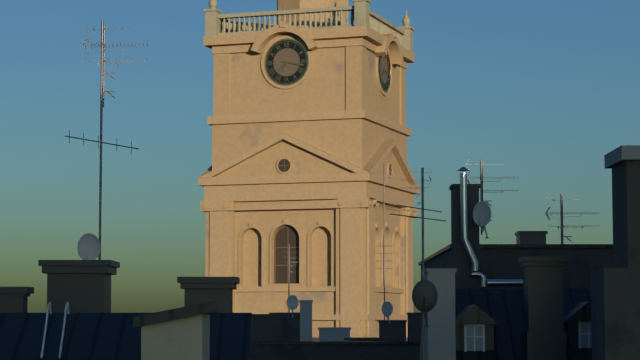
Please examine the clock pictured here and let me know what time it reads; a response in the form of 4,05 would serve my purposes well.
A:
7,17
